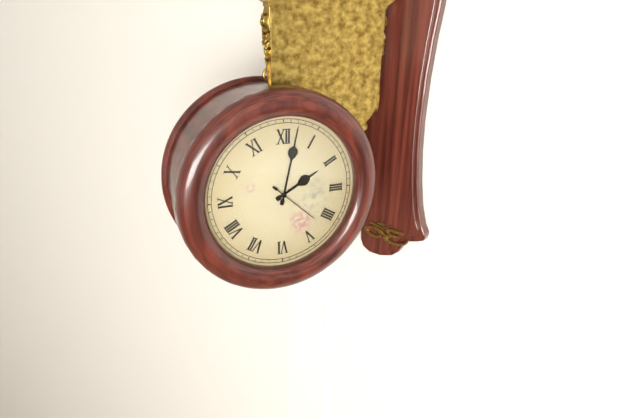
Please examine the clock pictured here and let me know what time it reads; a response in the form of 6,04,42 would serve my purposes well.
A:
2,02,22
